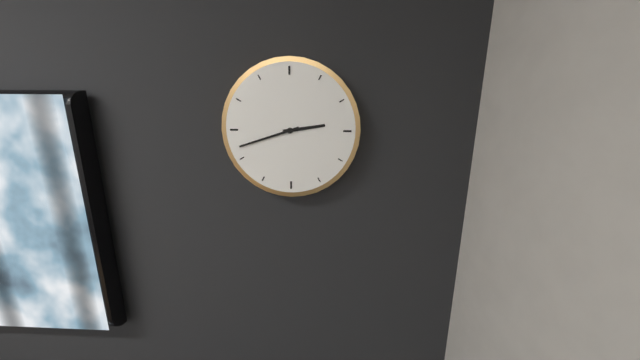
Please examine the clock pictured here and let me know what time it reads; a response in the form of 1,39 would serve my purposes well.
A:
2,42
